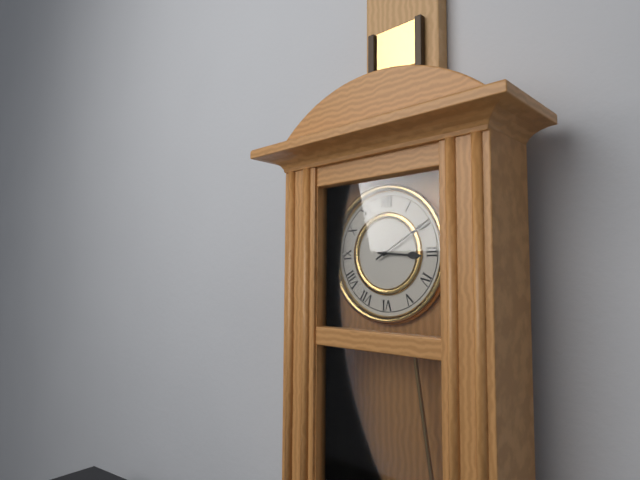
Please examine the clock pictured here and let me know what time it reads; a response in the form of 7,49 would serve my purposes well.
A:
3,10
